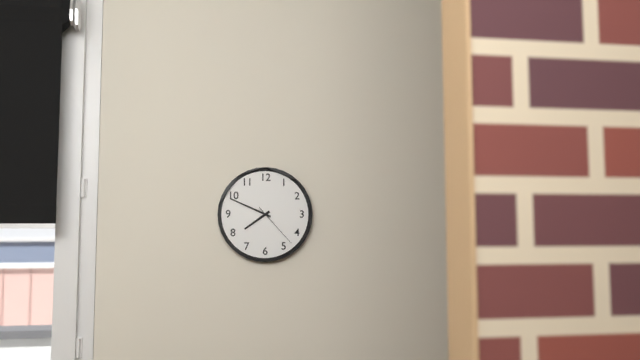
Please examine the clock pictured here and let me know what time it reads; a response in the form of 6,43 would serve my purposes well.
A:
7,49
